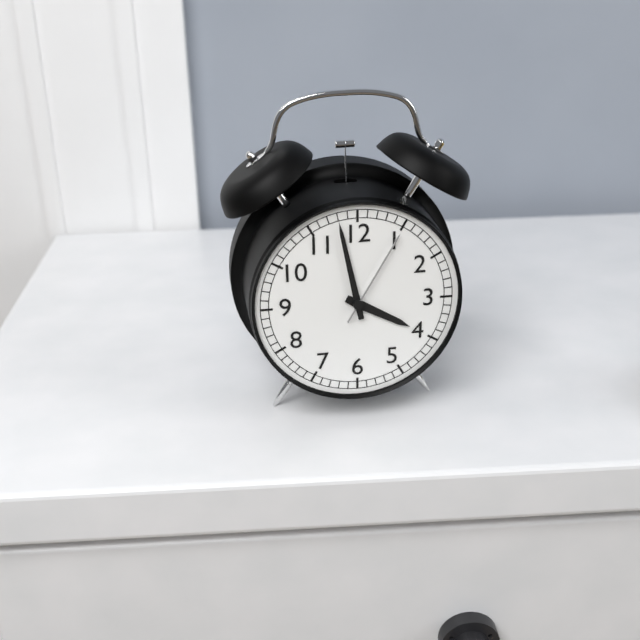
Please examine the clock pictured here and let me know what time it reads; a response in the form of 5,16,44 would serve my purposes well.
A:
3,58,05
